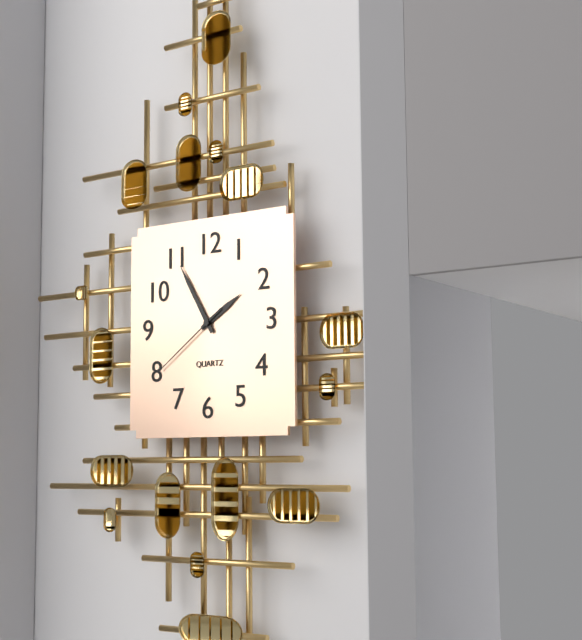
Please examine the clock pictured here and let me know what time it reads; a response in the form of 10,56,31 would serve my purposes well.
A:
1,55,39
